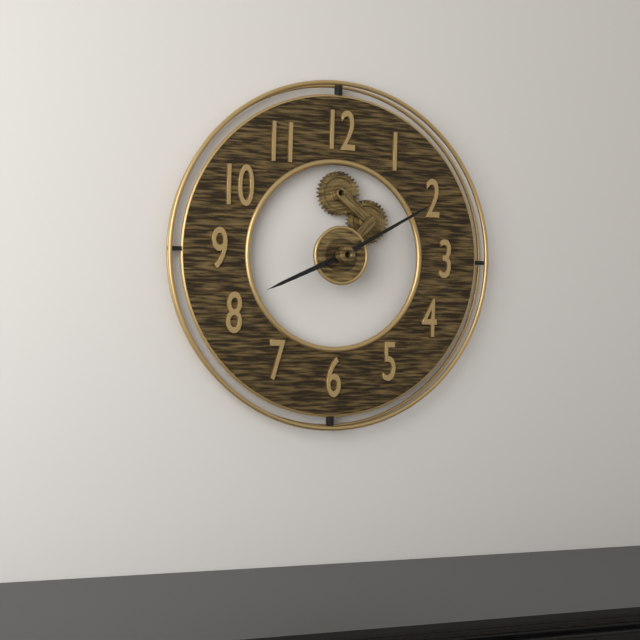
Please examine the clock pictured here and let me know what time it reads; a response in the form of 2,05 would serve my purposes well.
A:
8,10
